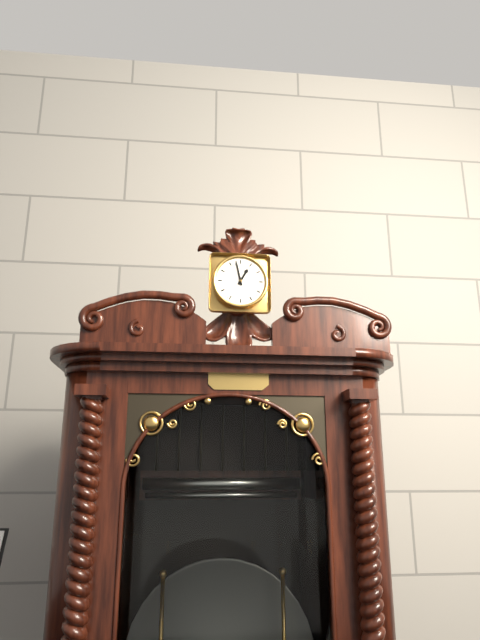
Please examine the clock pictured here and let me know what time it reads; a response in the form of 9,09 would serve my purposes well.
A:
12,58
